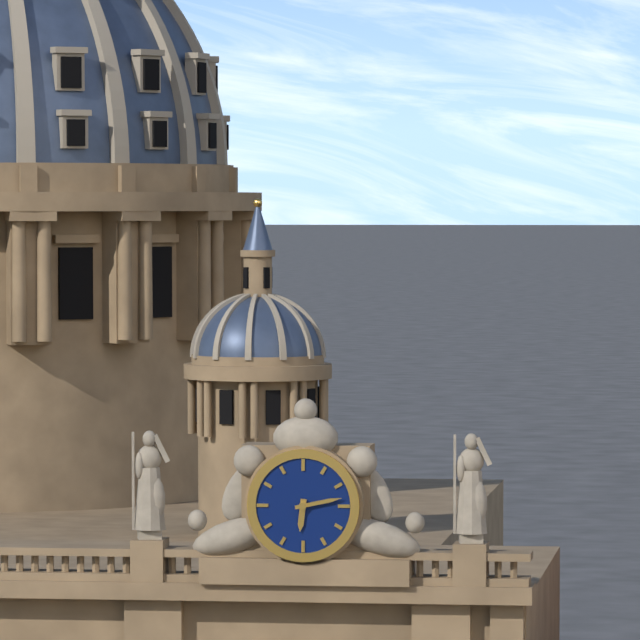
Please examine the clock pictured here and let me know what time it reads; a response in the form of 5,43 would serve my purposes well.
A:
6,13
